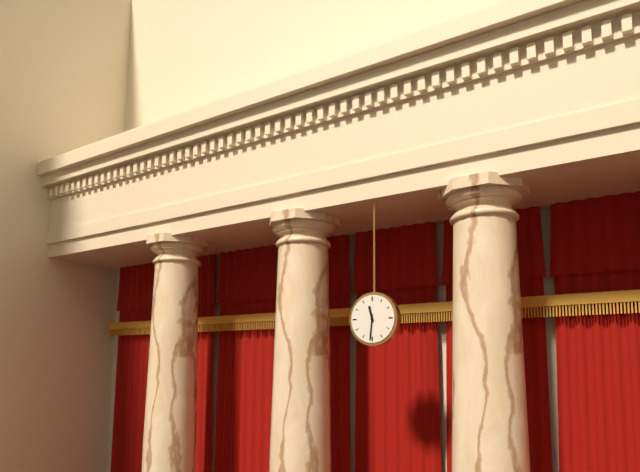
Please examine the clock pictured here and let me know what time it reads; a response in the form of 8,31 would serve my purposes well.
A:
11,31
